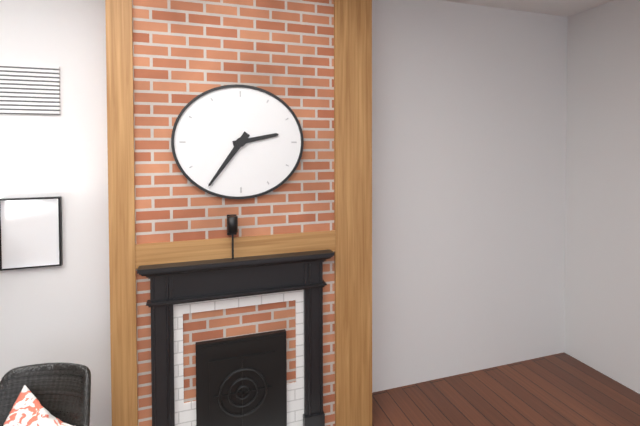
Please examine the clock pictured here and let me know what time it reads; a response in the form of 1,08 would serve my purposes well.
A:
2,36
